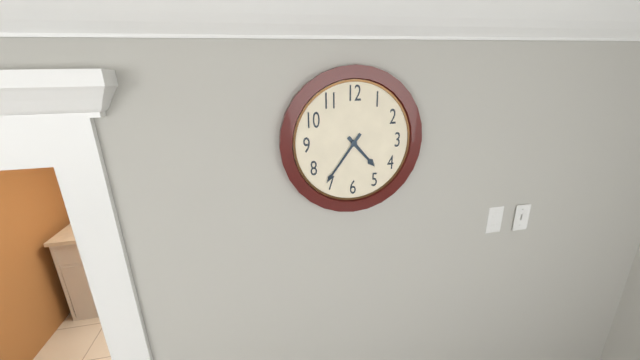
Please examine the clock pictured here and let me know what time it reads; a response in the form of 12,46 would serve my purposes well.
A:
4,36
